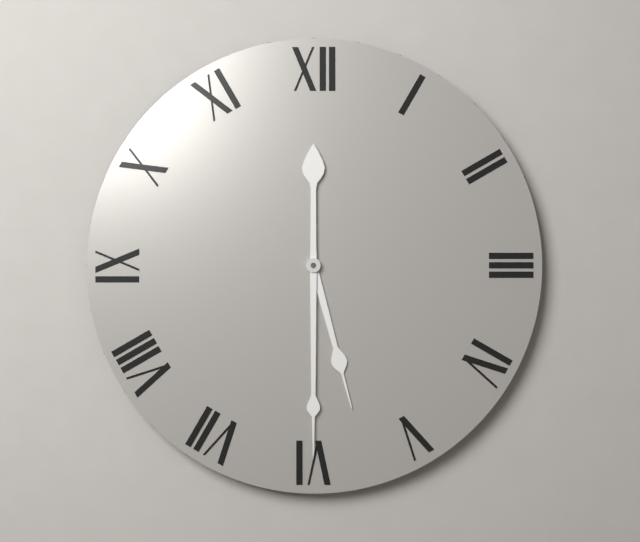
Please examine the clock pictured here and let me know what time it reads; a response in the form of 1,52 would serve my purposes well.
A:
5,30
